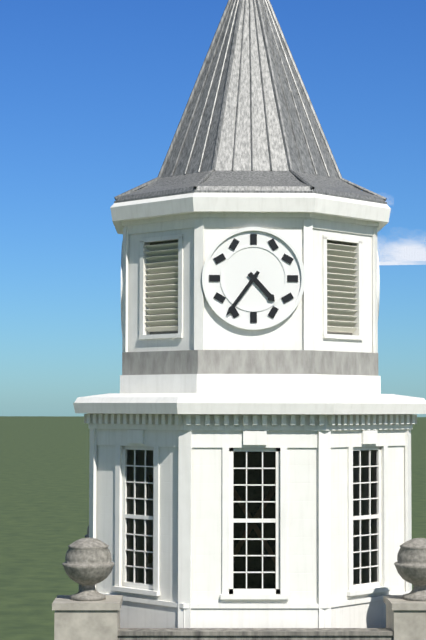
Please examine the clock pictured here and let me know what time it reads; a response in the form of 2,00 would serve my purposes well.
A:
4,36
